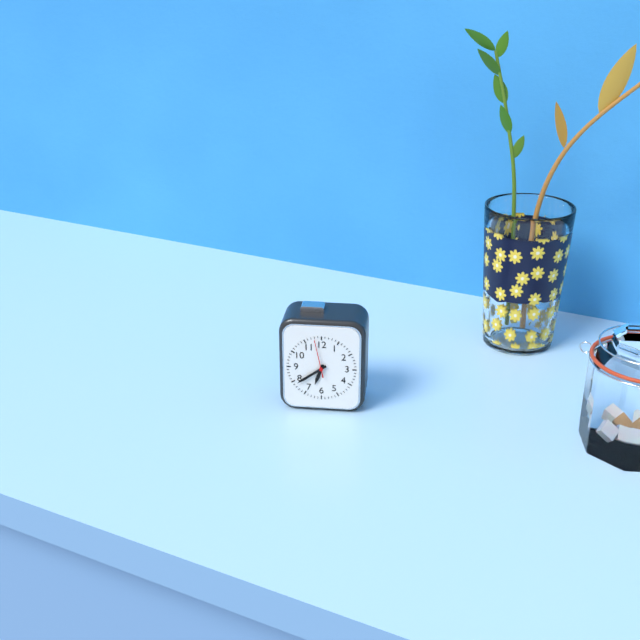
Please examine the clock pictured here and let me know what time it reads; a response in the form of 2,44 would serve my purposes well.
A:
6,39
